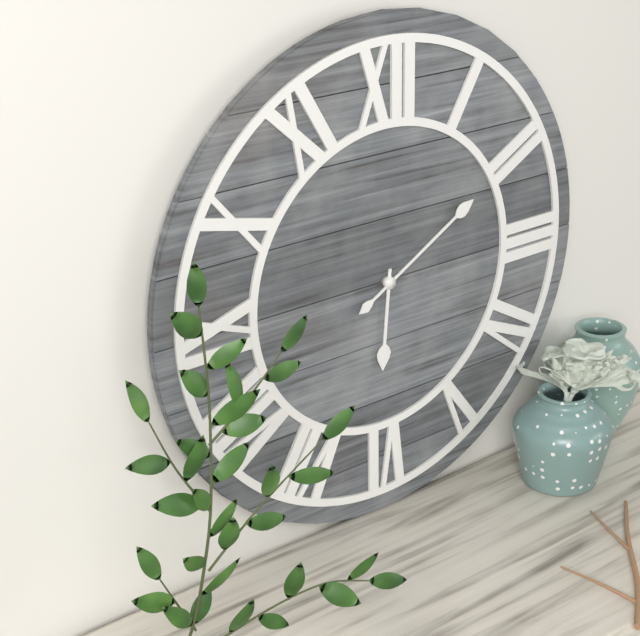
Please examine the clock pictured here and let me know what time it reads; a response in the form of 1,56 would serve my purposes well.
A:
6,10
